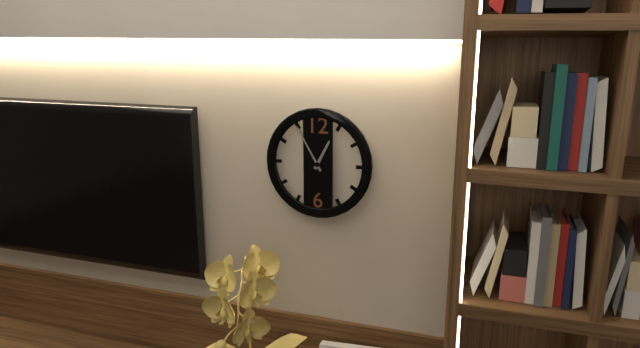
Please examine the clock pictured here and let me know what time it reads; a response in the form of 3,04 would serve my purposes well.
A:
12,55
